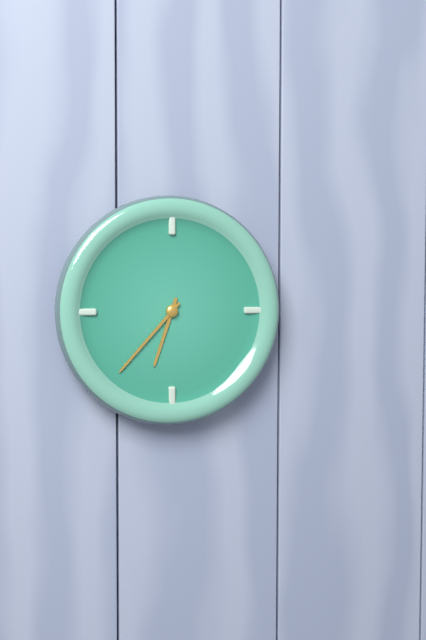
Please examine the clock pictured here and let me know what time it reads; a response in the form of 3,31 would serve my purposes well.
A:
6,37
